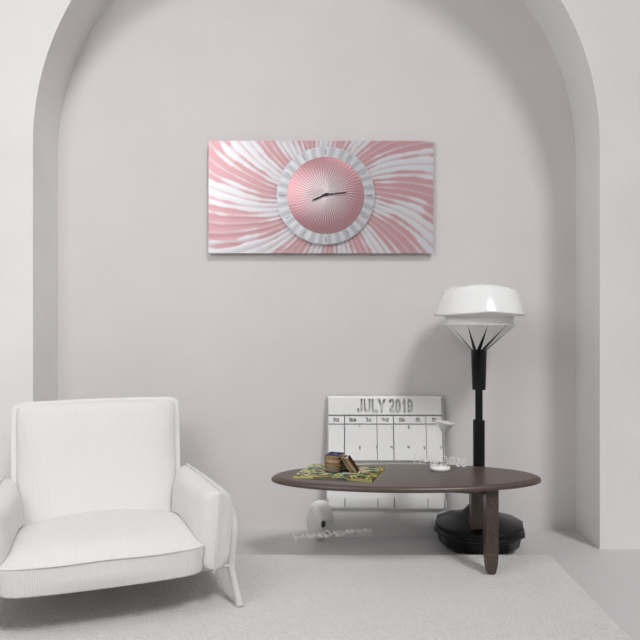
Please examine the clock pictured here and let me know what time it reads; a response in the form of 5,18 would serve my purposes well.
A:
8,14
